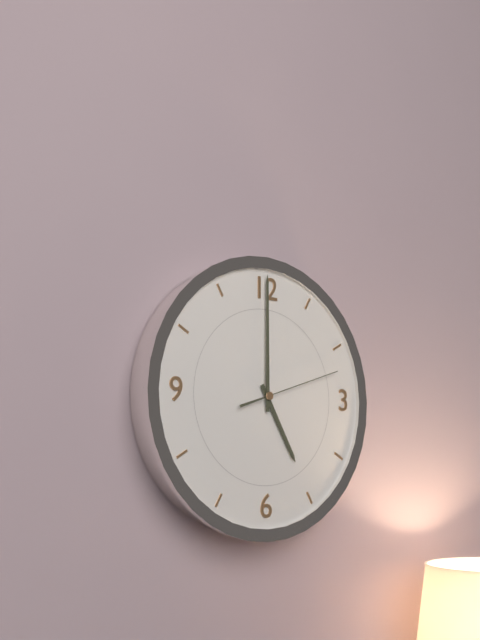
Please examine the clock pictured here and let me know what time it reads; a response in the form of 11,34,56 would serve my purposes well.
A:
5,00,12
